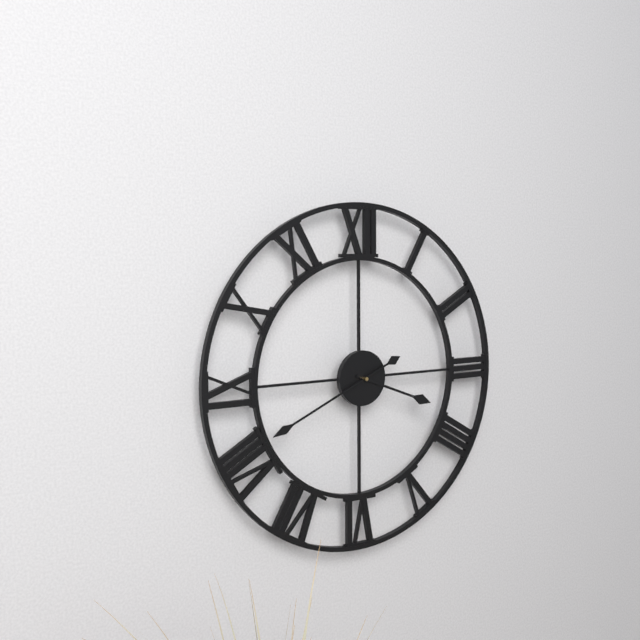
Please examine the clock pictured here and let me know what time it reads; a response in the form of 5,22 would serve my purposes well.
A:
3,41
